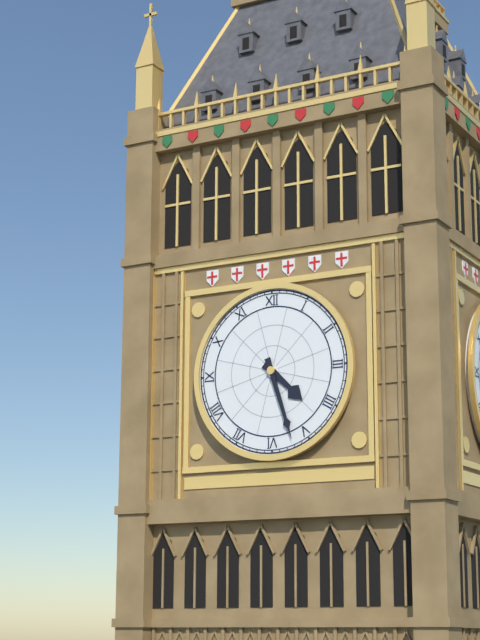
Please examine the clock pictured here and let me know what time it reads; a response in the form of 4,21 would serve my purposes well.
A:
4,27
